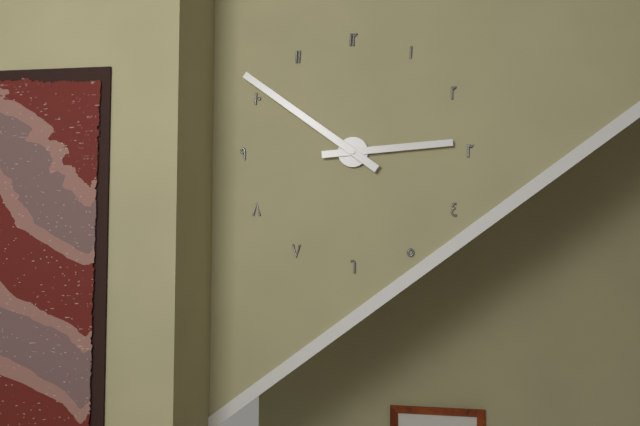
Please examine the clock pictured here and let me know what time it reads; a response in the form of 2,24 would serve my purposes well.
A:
2,51
